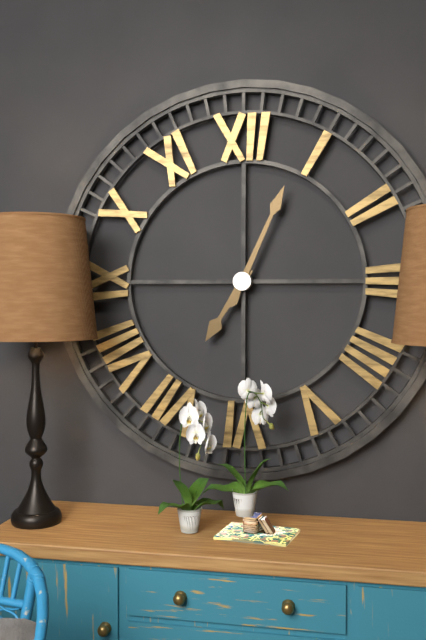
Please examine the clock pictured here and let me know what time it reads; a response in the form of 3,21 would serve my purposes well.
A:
7,04
